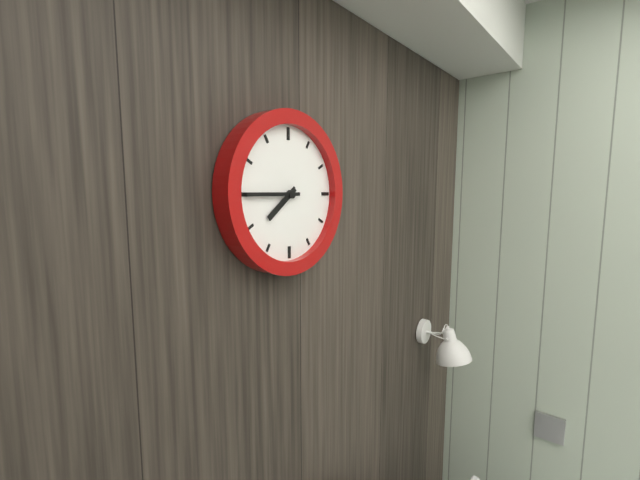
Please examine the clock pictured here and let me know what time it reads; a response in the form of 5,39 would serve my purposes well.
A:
7,45
